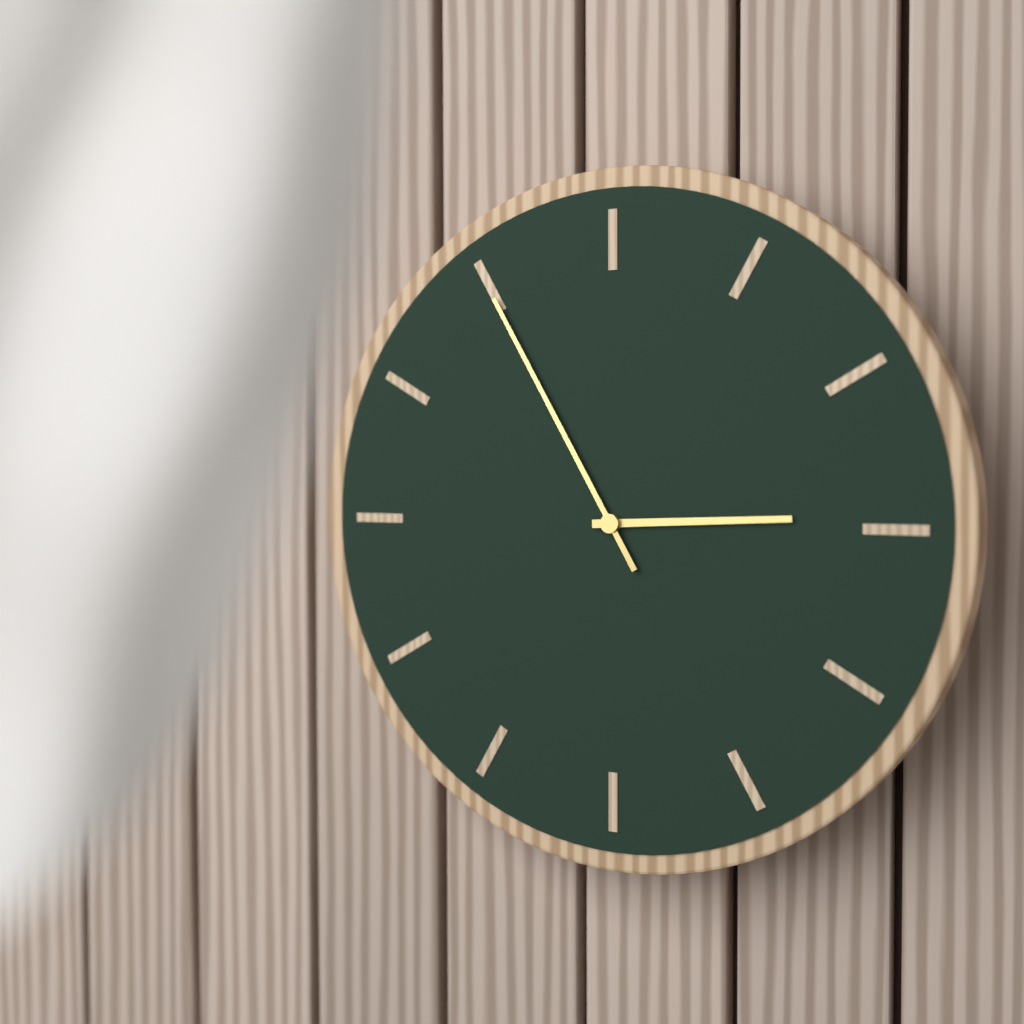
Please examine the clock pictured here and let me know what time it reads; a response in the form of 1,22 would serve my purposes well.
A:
2,55
